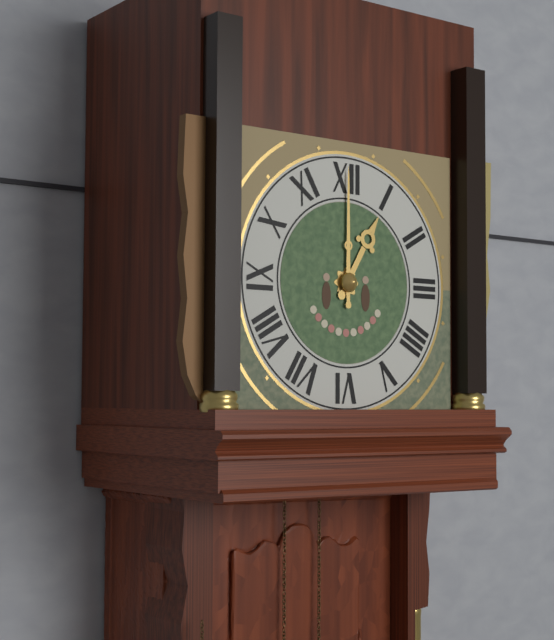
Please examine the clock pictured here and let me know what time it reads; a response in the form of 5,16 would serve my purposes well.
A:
1,00
